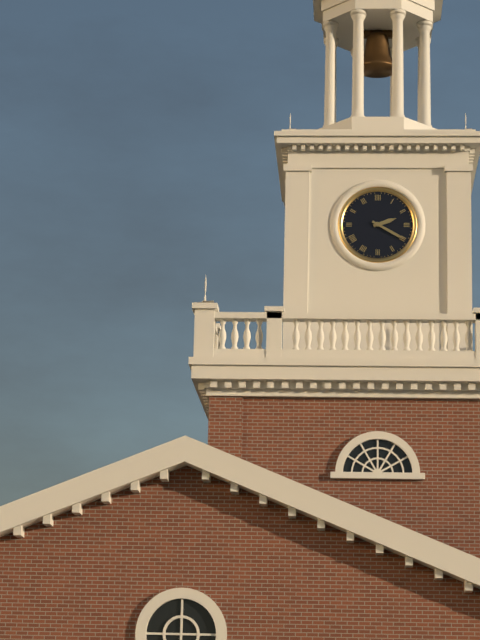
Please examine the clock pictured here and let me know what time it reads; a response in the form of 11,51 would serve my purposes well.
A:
2,20
